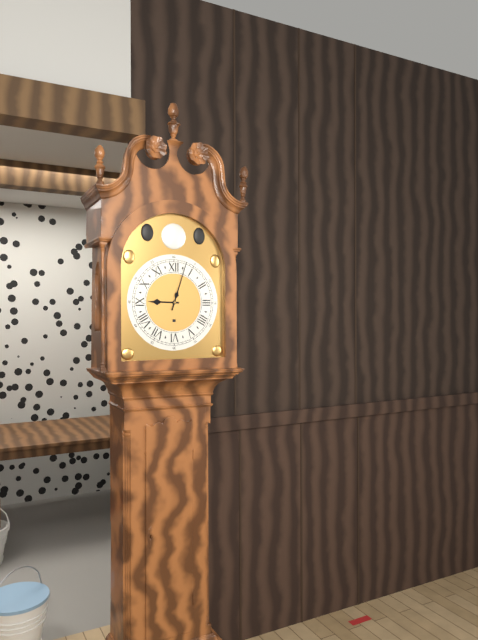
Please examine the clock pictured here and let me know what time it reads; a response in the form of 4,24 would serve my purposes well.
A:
9,03
